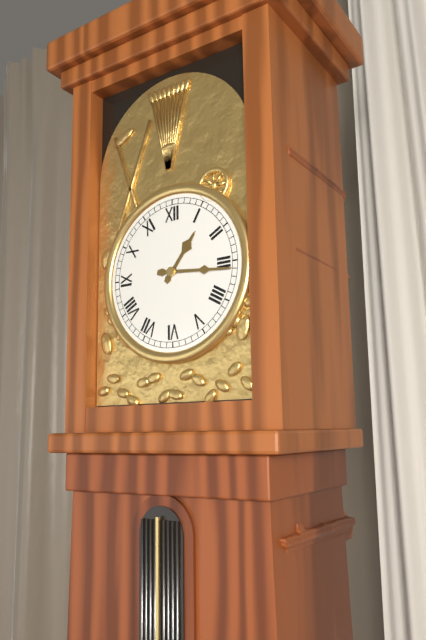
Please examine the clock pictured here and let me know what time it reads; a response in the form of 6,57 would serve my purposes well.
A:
1,16
